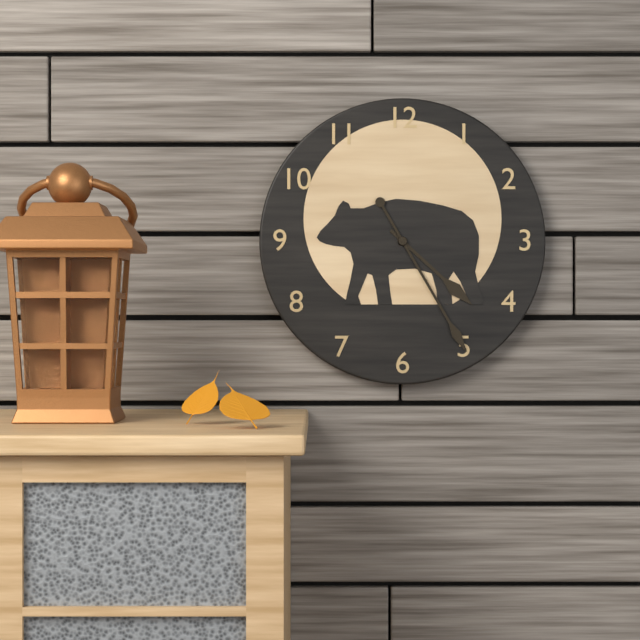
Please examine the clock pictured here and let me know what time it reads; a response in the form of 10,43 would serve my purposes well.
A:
4,25
